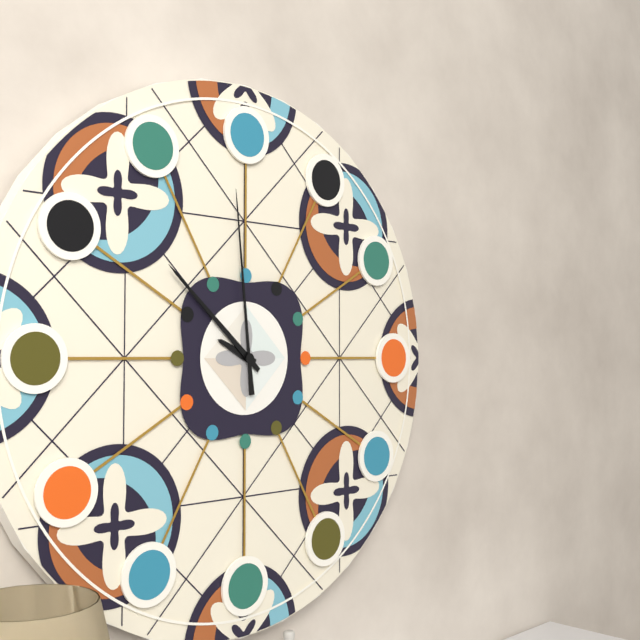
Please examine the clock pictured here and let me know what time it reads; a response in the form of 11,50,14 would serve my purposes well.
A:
9,52,59
